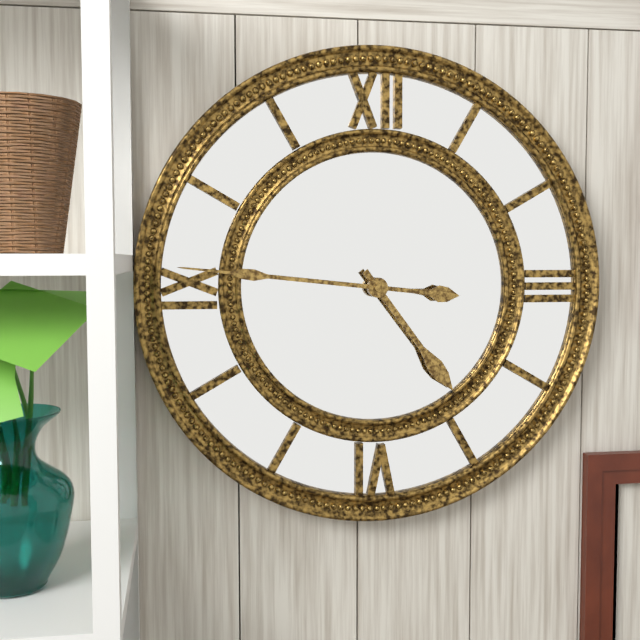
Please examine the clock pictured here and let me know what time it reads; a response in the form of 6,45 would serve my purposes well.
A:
4,46
